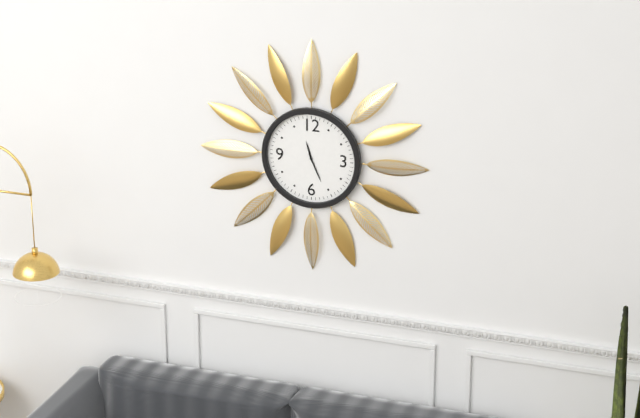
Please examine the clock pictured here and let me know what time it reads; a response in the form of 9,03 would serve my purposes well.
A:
11,26
